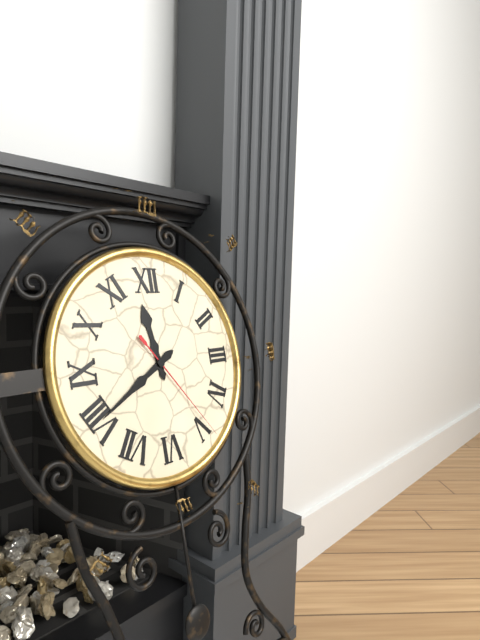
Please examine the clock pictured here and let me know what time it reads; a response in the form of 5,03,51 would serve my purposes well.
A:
11,40,24
